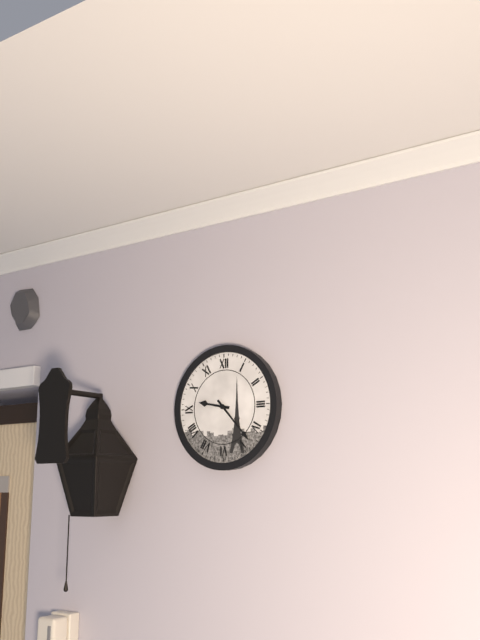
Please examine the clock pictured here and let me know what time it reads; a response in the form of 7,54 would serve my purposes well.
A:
9,23
